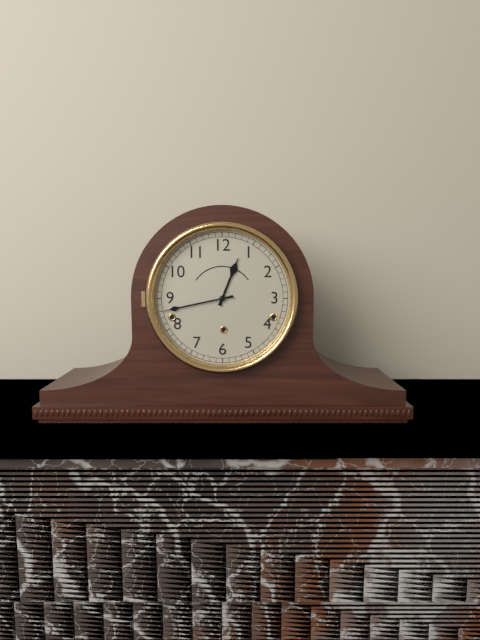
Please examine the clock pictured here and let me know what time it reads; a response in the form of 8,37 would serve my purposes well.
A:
12,43
